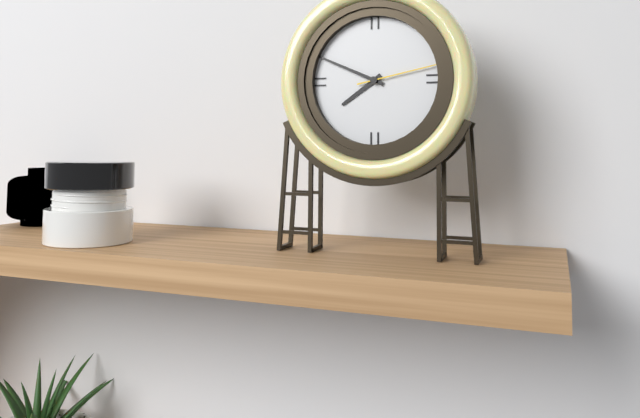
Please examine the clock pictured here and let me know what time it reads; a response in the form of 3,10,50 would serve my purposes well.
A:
7,49,13
